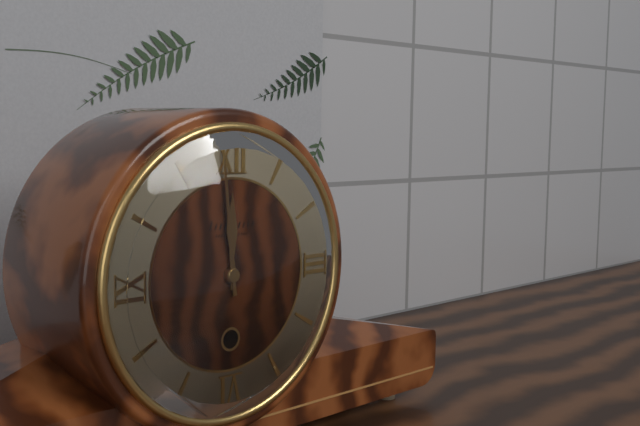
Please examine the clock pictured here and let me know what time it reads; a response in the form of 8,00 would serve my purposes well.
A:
11,59
